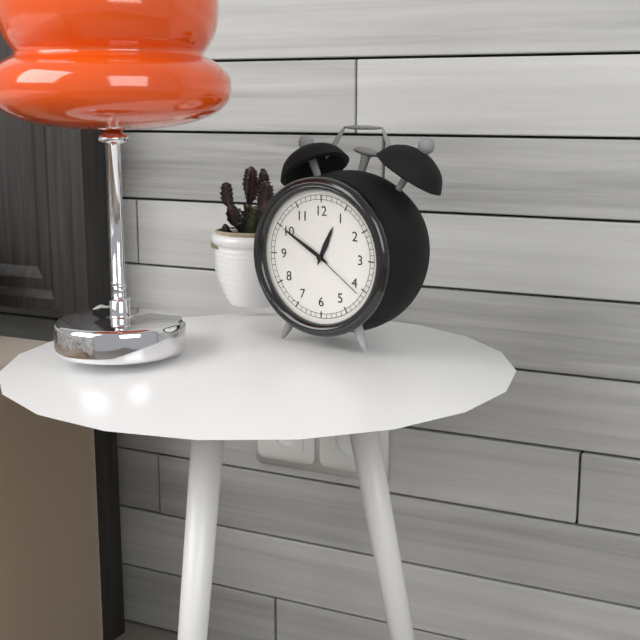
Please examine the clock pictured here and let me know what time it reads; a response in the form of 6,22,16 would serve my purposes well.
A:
12,50,21
